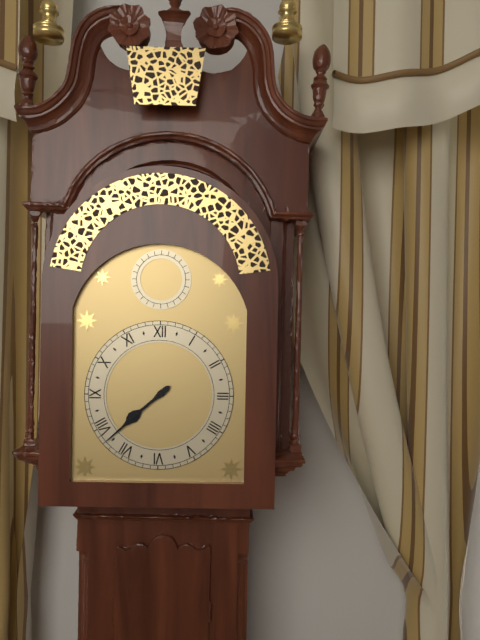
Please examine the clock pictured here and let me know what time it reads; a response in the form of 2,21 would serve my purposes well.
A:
7,38
